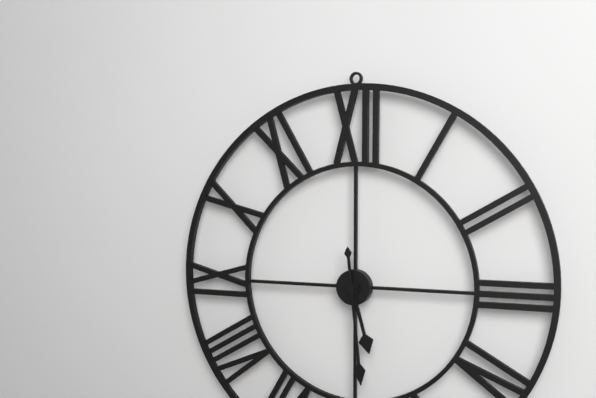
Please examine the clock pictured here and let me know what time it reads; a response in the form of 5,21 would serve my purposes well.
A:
5,29
